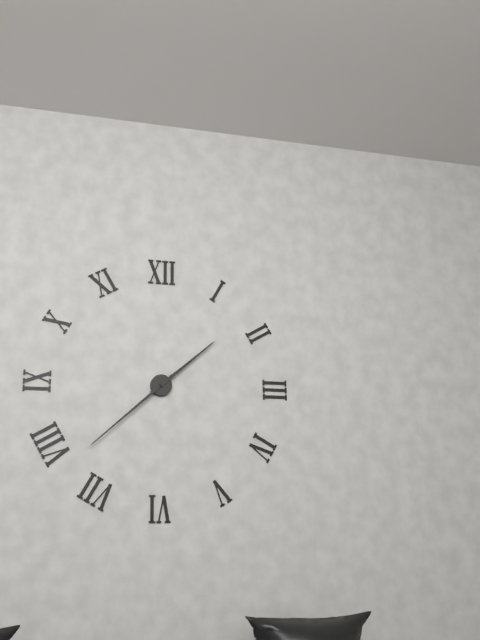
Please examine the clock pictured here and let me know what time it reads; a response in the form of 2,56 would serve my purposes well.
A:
1,38
